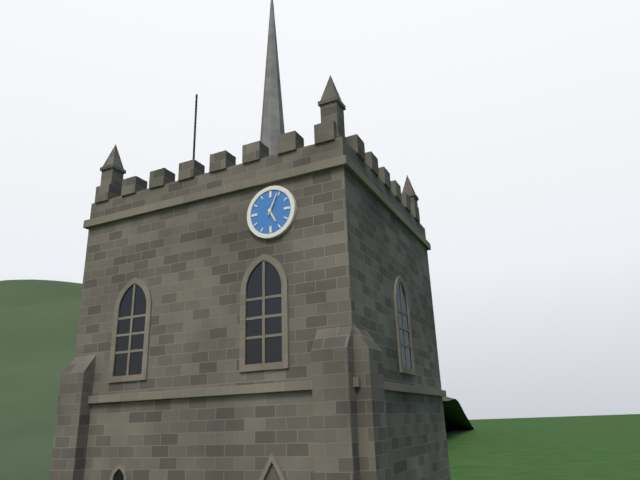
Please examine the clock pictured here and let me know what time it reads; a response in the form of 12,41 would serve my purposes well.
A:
5,04
